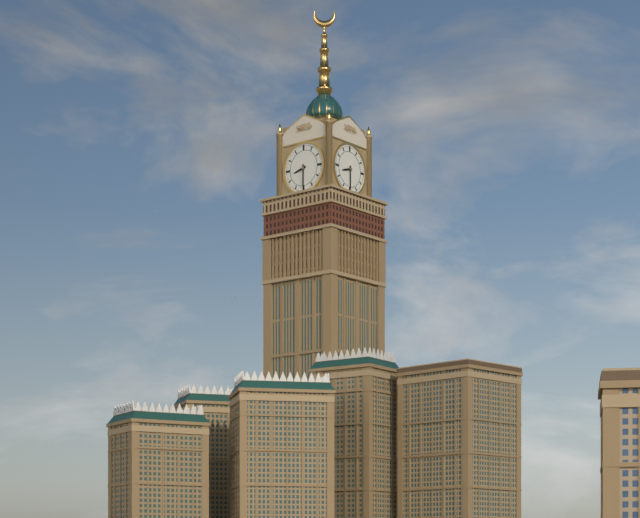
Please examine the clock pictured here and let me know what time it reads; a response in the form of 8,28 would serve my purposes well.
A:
8,30
